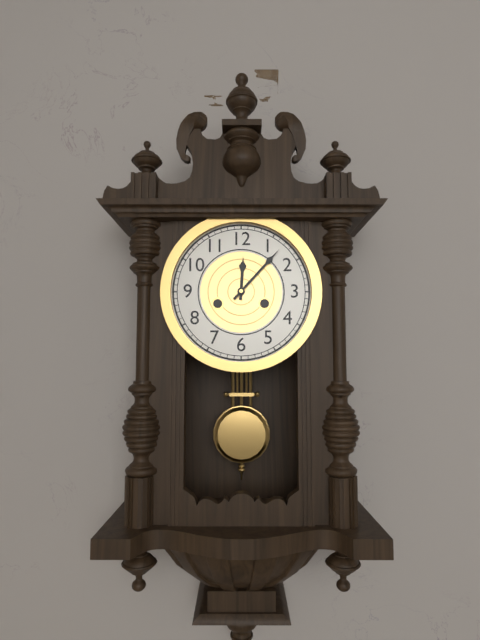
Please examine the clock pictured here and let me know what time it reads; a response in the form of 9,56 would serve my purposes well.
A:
12,07
